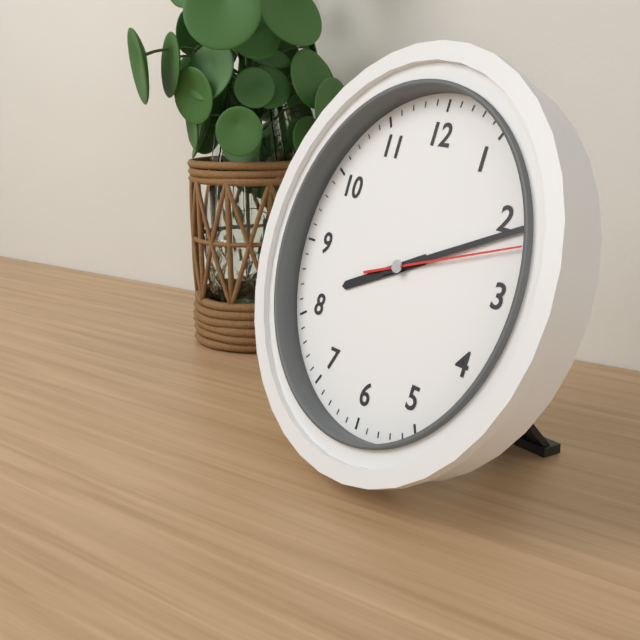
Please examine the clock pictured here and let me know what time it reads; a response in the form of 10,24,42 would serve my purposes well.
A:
8,11,12
